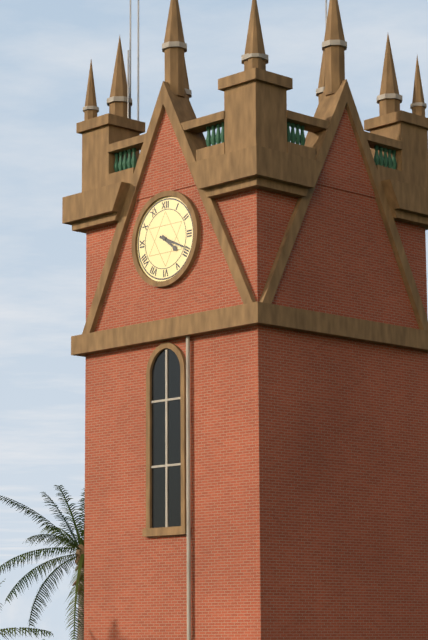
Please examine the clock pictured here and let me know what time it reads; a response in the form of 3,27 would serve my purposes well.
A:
4,19
